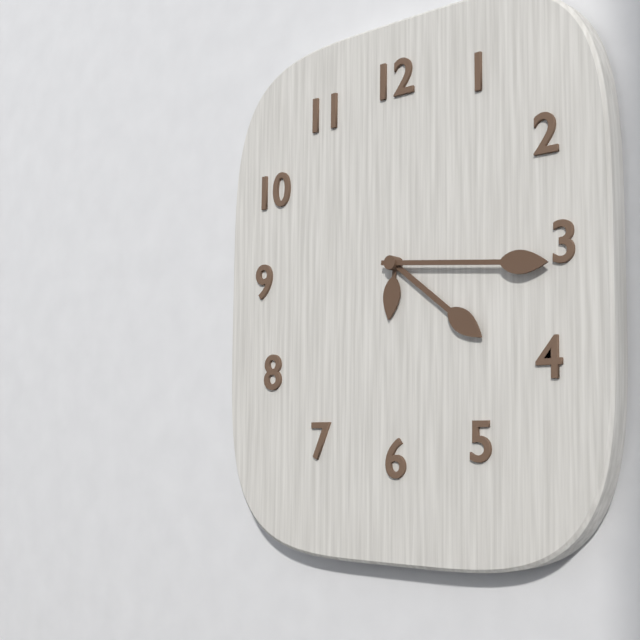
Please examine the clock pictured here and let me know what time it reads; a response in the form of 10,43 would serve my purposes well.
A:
4,16
